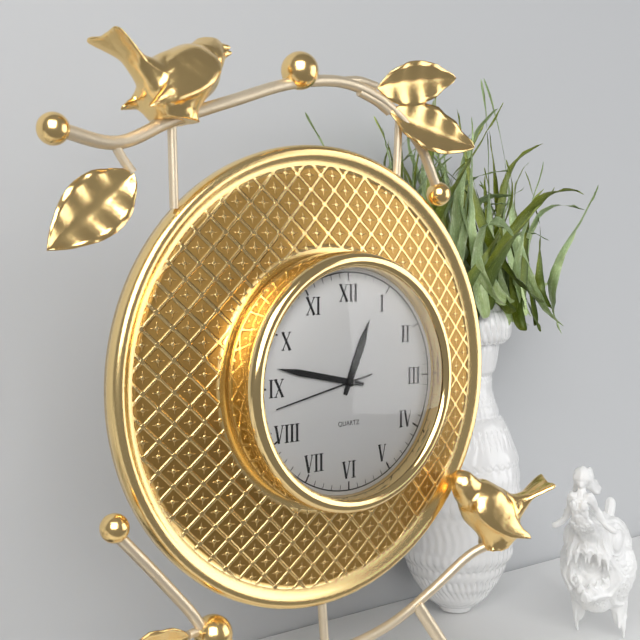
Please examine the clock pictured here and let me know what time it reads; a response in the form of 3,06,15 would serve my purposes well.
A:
12,47,43
